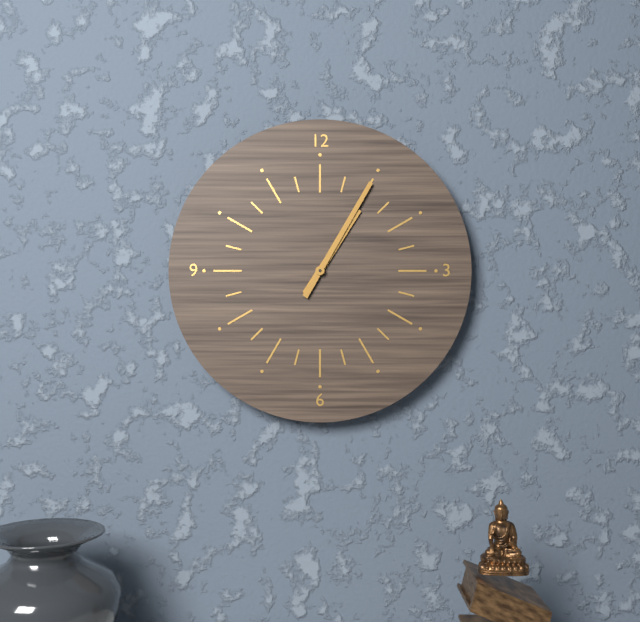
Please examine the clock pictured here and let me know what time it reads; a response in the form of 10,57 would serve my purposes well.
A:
1,05
